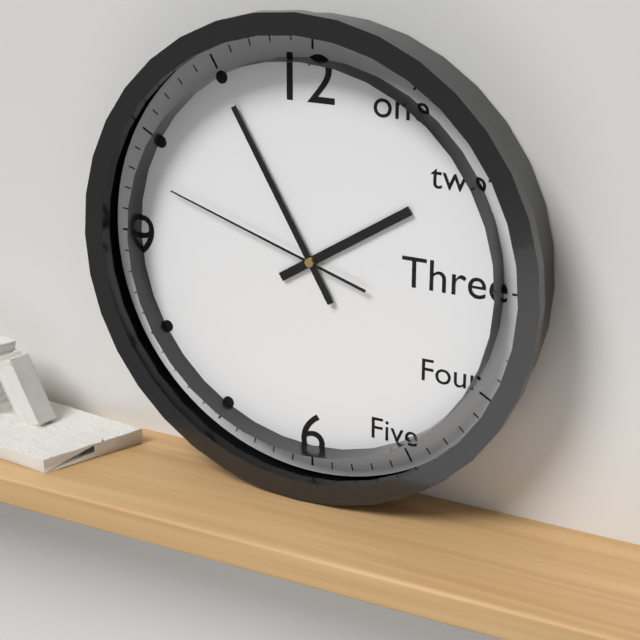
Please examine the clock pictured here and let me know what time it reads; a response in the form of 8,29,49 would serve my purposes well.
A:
1,55,48
